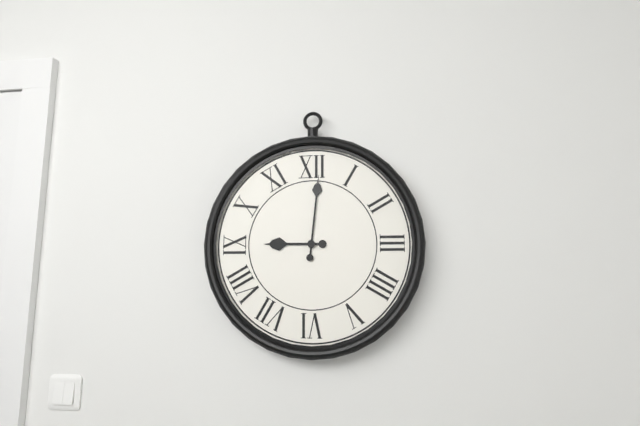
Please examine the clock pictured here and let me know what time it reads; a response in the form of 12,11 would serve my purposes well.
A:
9,01
